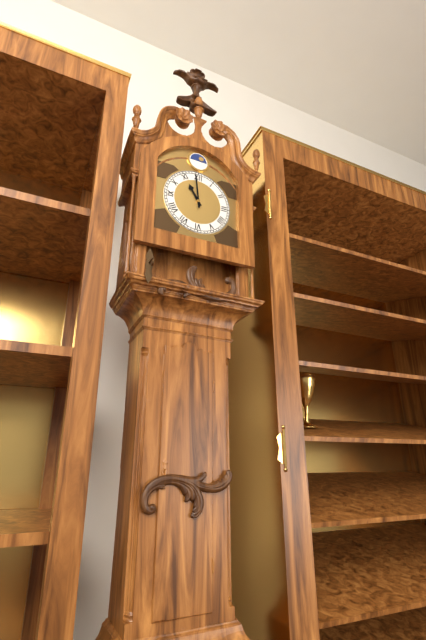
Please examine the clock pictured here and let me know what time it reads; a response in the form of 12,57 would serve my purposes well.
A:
10,59
